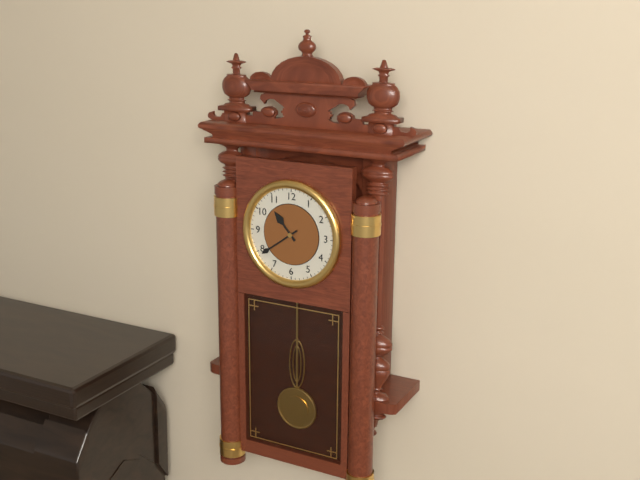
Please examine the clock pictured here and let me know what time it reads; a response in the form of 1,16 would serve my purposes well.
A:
10,39
